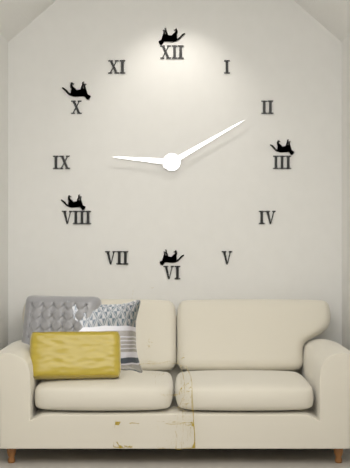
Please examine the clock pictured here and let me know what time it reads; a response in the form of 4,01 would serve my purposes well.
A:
9,10
